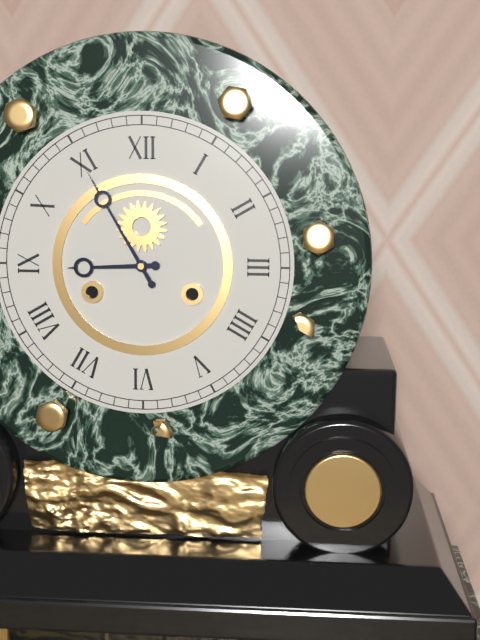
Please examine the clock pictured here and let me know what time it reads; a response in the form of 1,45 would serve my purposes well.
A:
8,55
